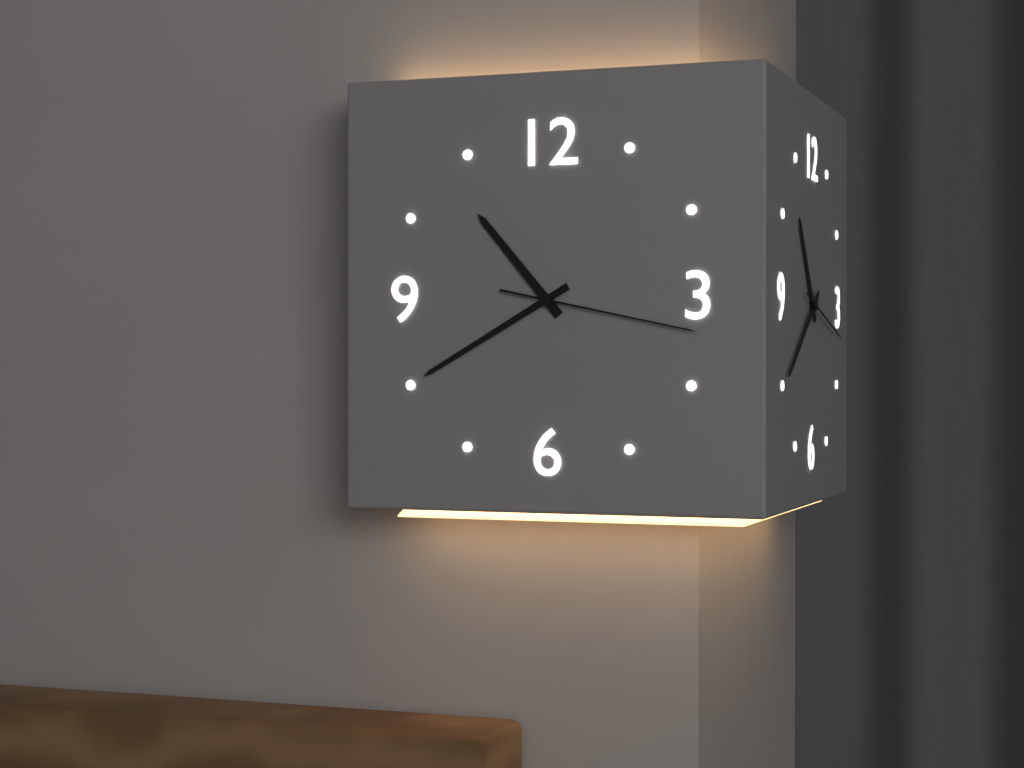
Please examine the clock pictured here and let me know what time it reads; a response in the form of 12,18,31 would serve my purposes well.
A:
10,40,17
